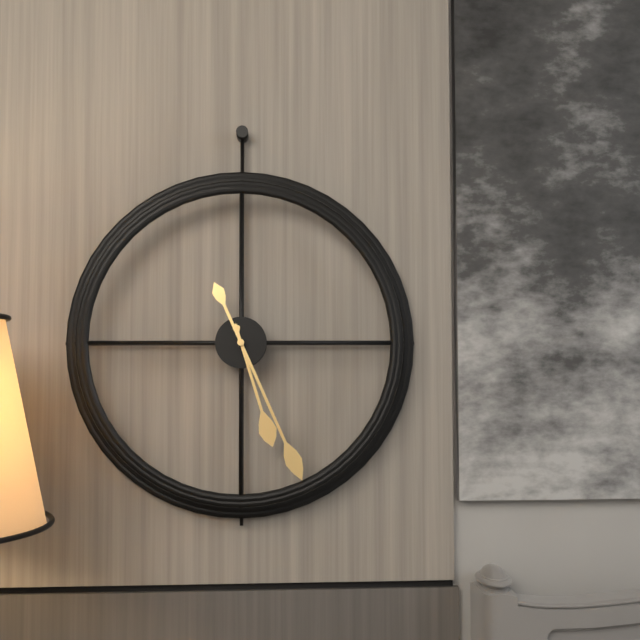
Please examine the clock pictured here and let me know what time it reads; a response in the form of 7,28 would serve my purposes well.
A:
5,26
